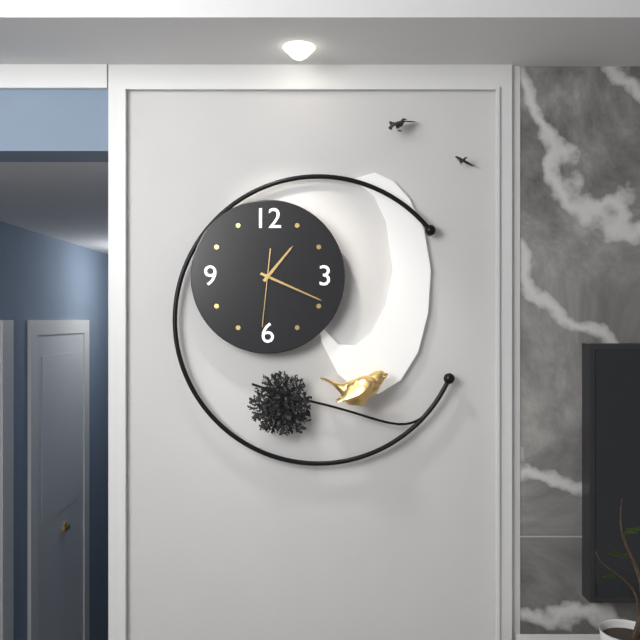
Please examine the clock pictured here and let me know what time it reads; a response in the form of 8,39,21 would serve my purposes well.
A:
1,19,31
